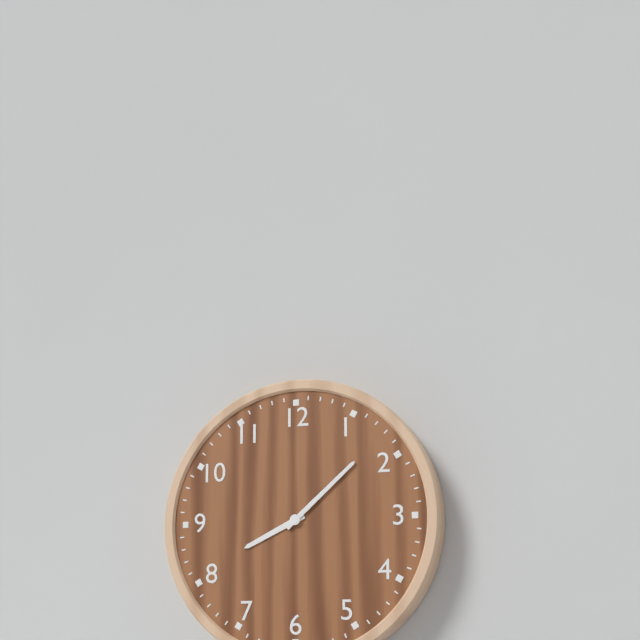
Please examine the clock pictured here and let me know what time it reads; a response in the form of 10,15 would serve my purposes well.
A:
8,08
